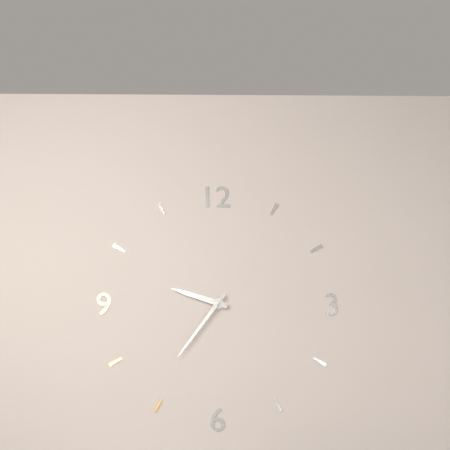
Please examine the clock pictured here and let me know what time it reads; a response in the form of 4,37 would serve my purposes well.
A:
9,36
